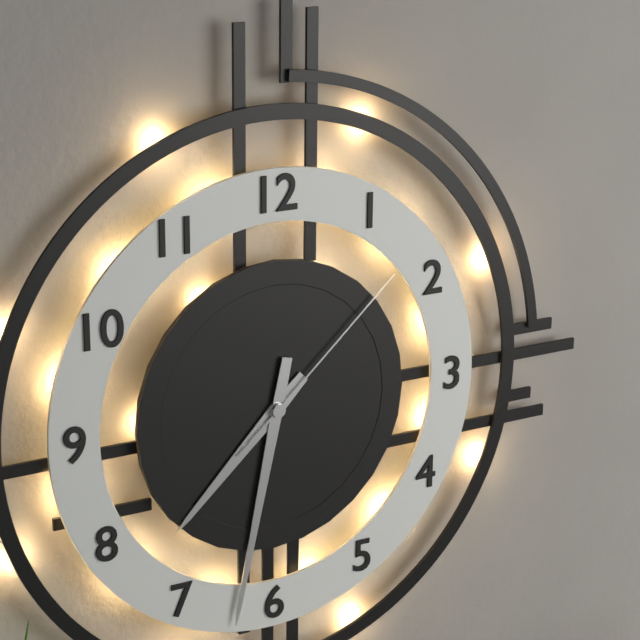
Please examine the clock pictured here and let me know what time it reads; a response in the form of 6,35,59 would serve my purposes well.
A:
7,32,08
